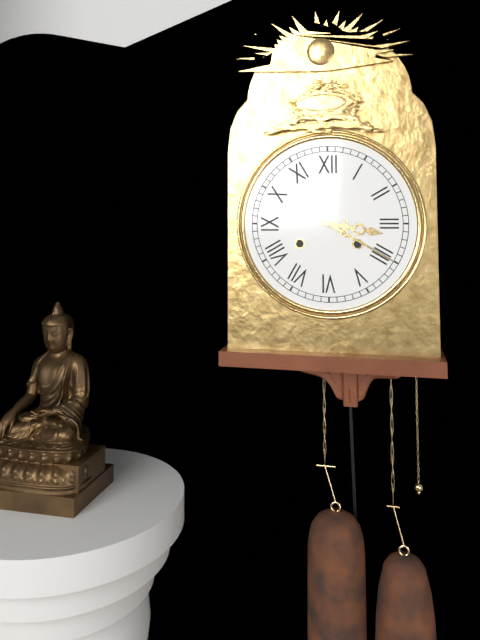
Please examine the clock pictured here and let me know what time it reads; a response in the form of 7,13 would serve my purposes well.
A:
3,20
